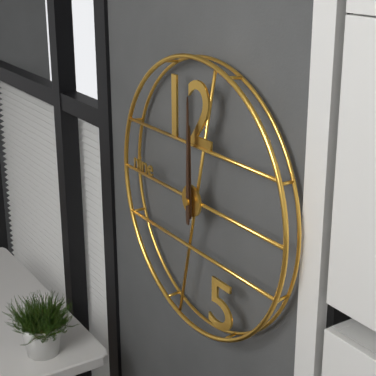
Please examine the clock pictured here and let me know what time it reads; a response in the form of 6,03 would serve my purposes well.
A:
12,00
